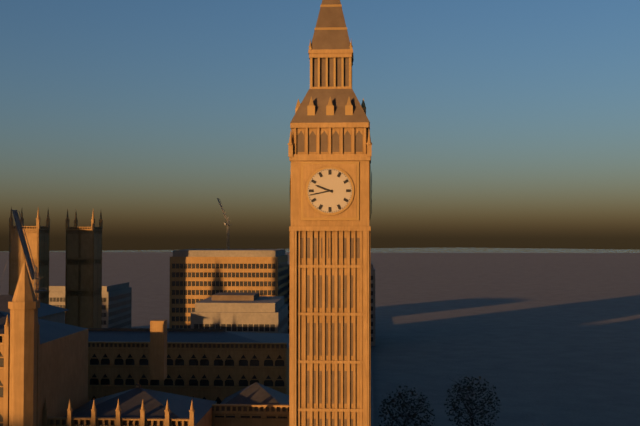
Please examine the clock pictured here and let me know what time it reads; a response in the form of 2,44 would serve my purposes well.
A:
9,43
